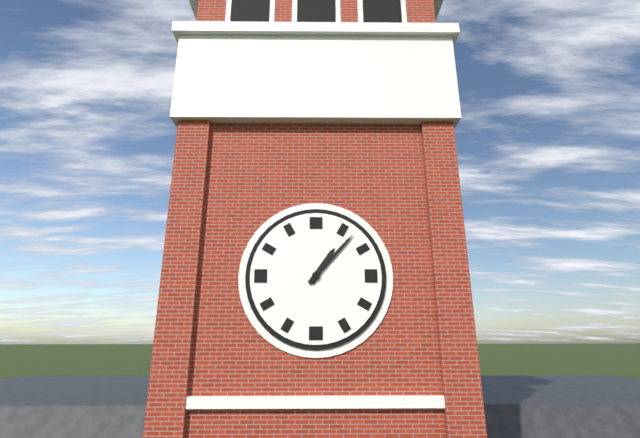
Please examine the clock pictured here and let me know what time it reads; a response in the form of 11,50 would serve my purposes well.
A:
1,07
